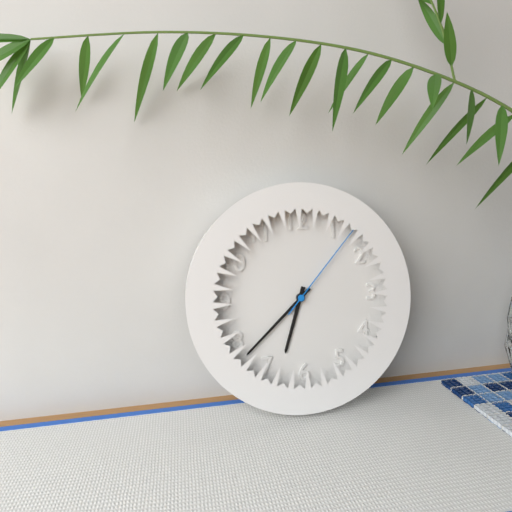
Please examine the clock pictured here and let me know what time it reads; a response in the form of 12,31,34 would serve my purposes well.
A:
6,38,07
